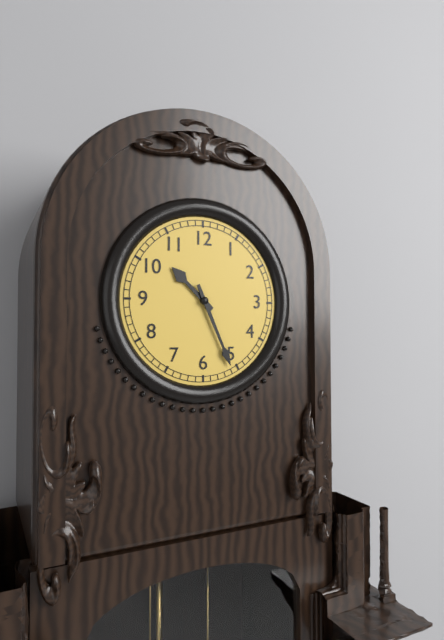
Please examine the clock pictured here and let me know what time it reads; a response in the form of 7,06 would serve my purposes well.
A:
10,26
